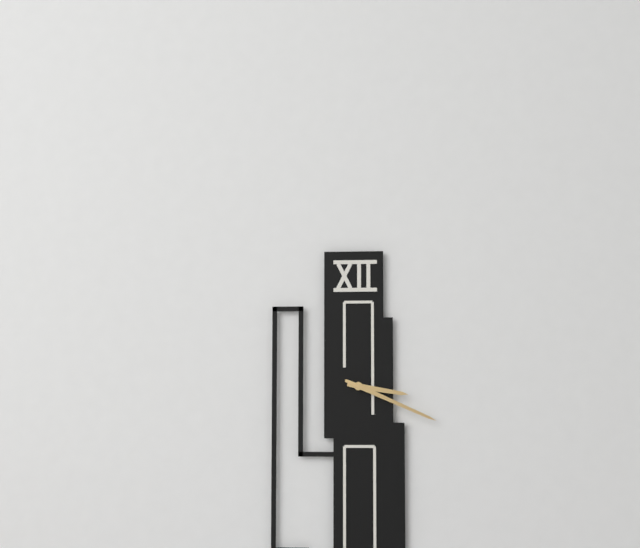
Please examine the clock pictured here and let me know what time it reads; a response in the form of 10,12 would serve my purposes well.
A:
3,19
